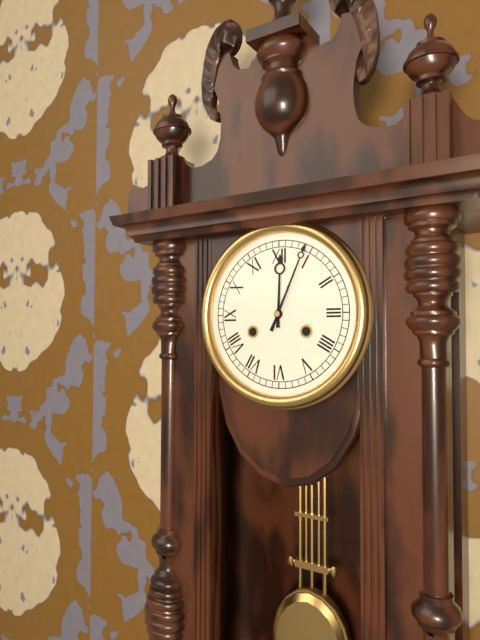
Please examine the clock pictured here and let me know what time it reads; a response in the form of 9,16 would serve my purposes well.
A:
12,04
